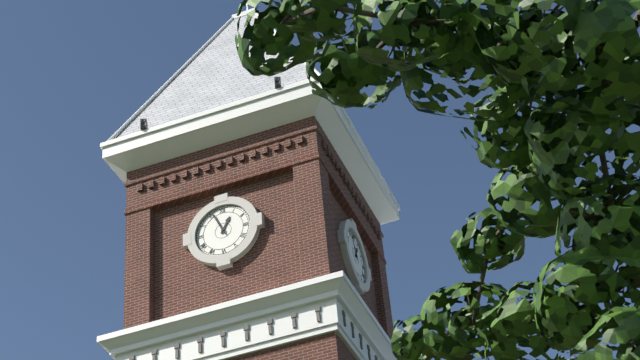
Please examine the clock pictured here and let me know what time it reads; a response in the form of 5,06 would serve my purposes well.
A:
12,56
